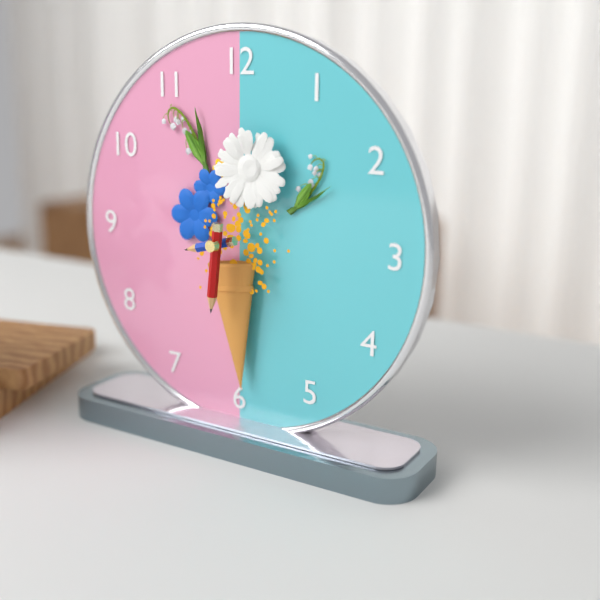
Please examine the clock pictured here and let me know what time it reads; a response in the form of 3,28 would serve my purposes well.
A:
8,31
